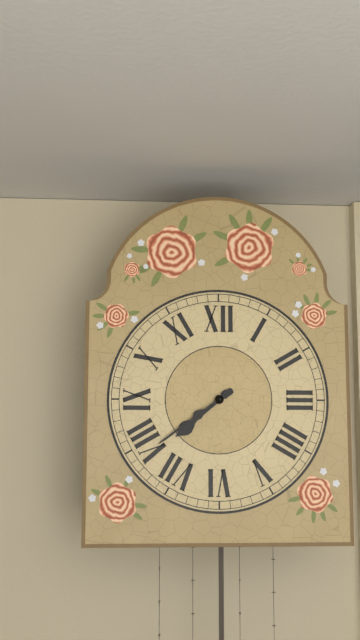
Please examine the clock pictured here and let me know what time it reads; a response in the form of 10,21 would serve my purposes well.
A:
7,39
